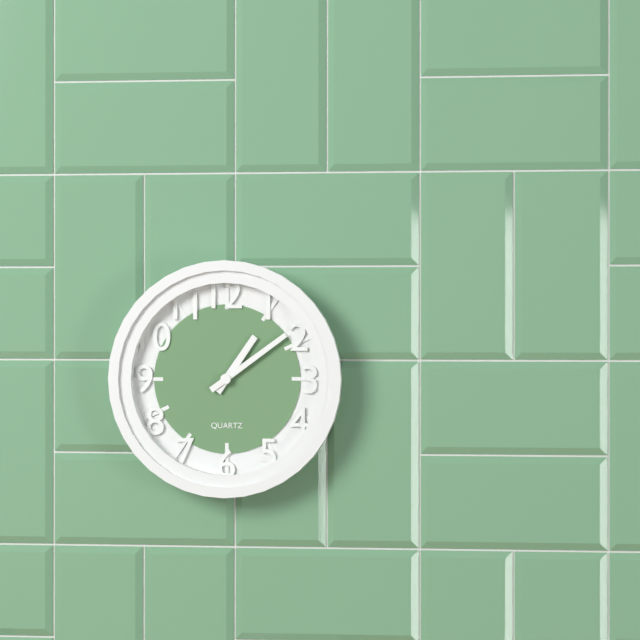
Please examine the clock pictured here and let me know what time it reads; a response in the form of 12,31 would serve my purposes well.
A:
1,09
